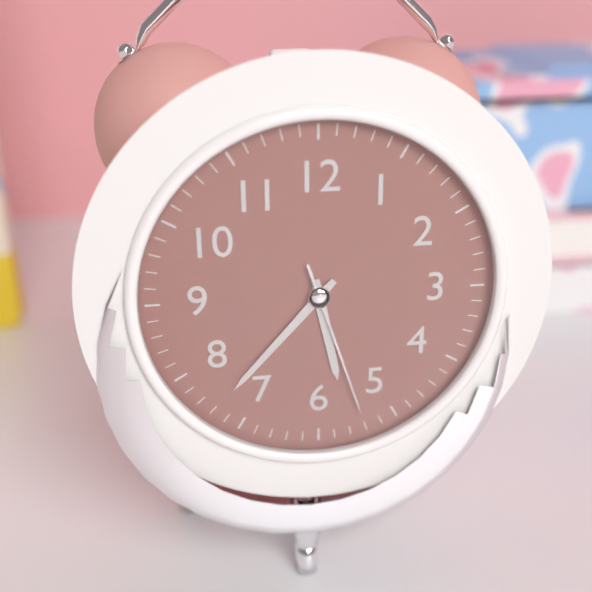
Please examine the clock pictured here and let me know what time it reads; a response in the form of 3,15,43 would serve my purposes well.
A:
5,37,27
